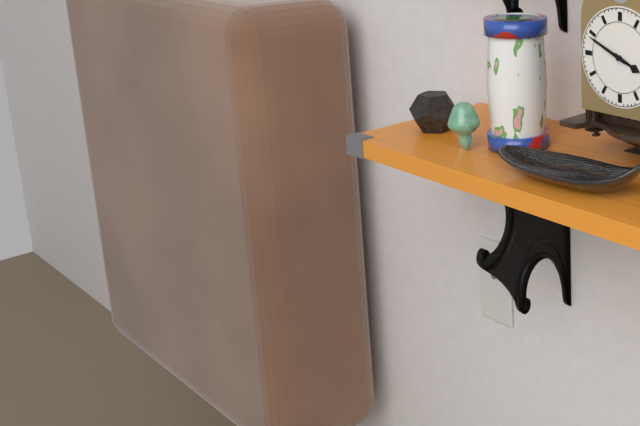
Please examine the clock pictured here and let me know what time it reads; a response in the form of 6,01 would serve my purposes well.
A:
3,49
